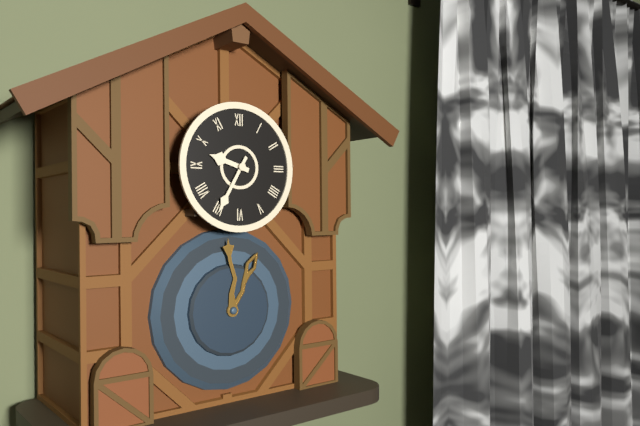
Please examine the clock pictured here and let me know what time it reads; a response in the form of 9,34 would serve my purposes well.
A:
9,35
